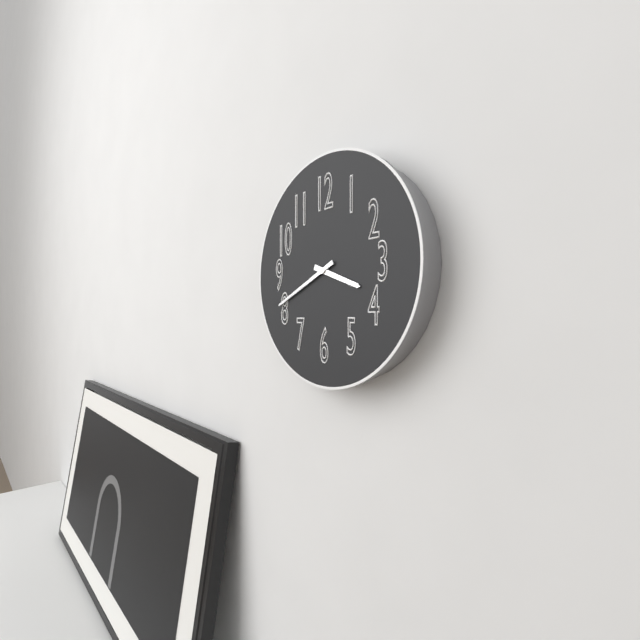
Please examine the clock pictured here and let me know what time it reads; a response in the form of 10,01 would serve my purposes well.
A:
3,41
